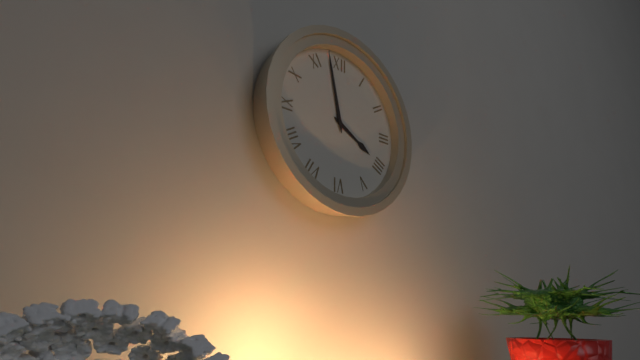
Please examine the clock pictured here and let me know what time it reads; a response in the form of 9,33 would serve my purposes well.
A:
3,58
